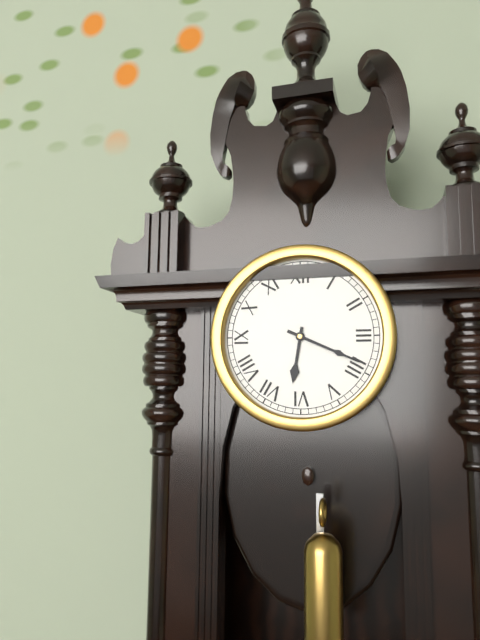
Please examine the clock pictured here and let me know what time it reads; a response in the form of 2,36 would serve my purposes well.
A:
6,19
